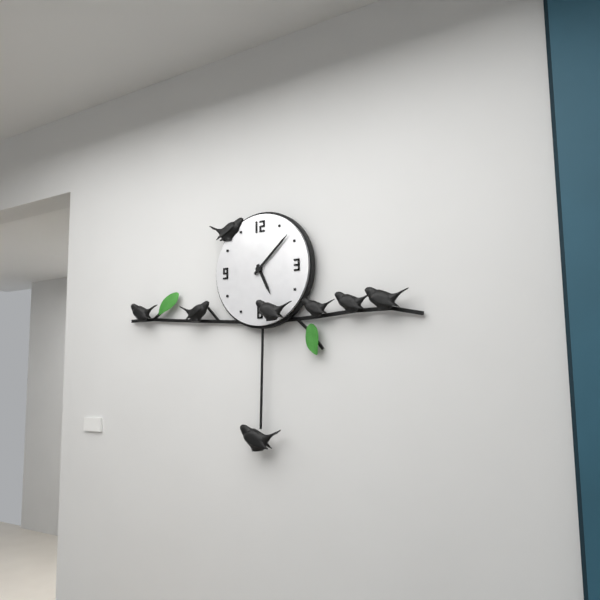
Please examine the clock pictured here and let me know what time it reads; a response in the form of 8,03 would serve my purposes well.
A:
5,08
